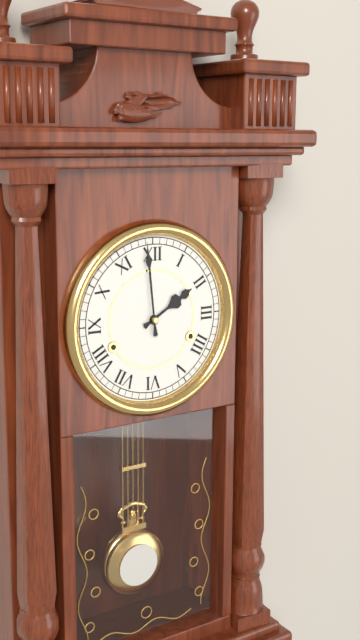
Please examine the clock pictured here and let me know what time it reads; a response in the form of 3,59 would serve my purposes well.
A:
1,59
